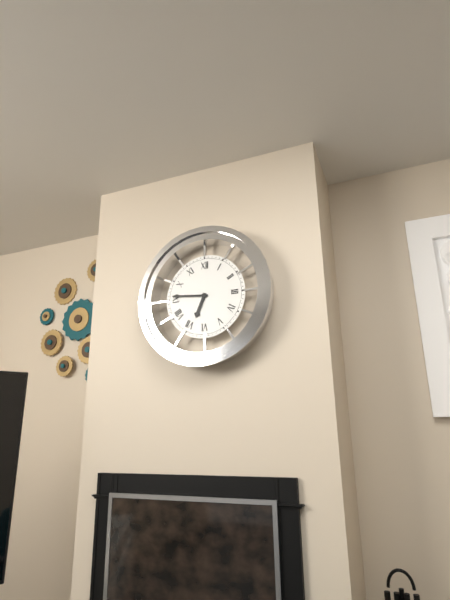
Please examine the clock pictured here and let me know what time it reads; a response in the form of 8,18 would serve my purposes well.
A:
6,46
